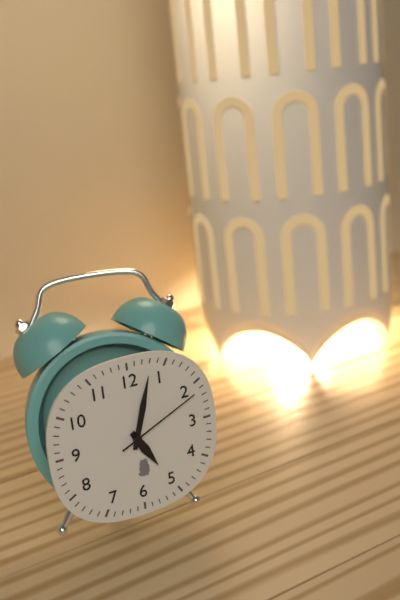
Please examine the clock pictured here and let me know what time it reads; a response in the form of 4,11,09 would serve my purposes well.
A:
5,03,11
